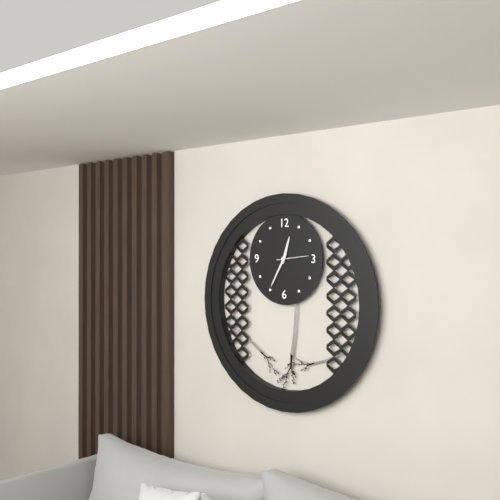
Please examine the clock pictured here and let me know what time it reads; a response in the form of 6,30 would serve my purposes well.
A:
12,35
